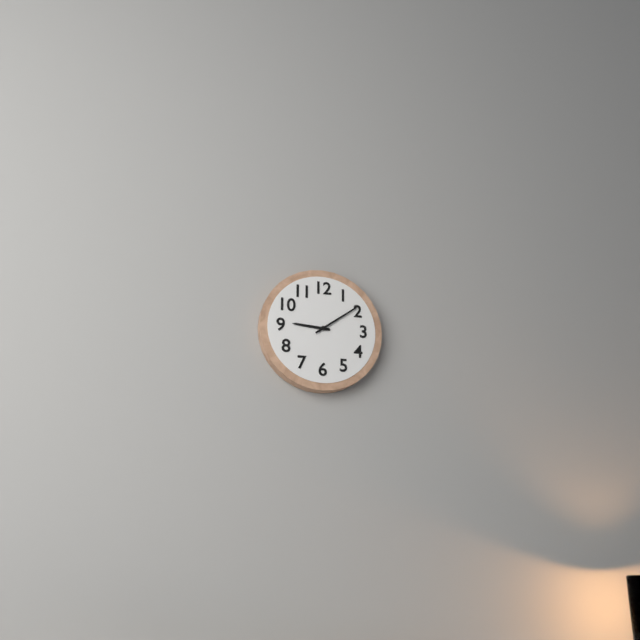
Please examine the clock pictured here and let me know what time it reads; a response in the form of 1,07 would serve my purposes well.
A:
9,09
